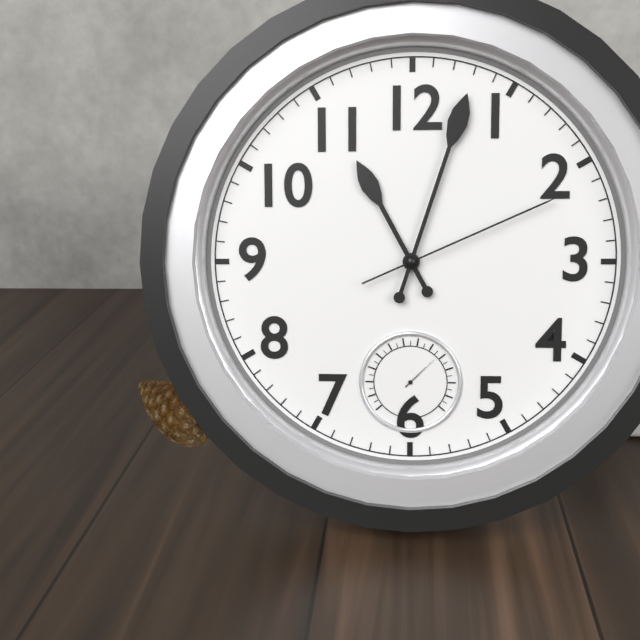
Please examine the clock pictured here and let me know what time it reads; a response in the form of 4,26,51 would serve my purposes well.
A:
11,03,11
